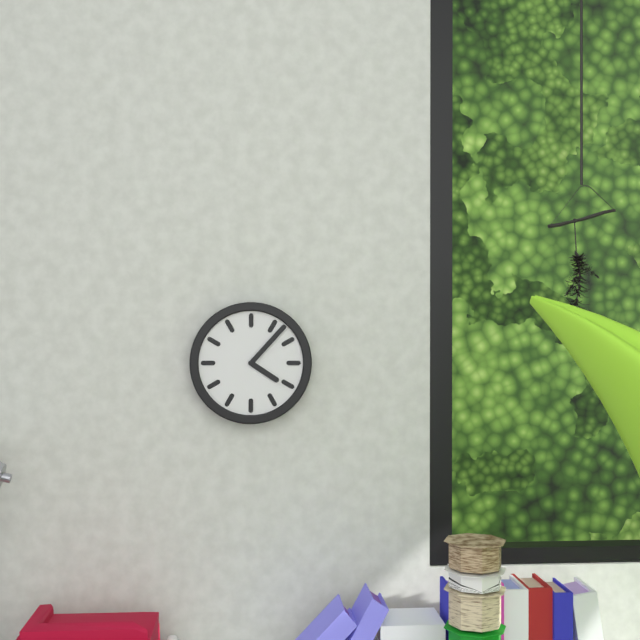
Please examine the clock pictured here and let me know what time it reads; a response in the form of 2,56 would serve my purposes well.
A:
4,07
